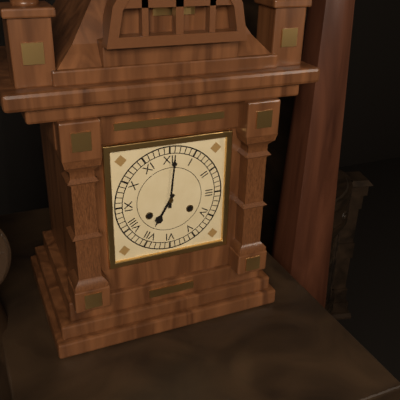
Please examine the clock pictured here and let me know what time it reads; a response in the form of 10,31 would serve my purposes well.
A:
7,01
